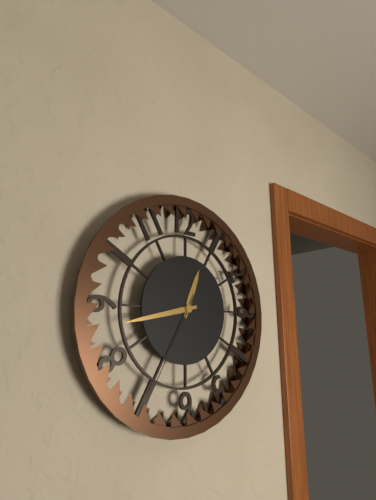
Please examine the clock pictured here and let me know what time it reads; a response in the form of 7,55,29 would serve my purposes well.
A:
12,43,35
